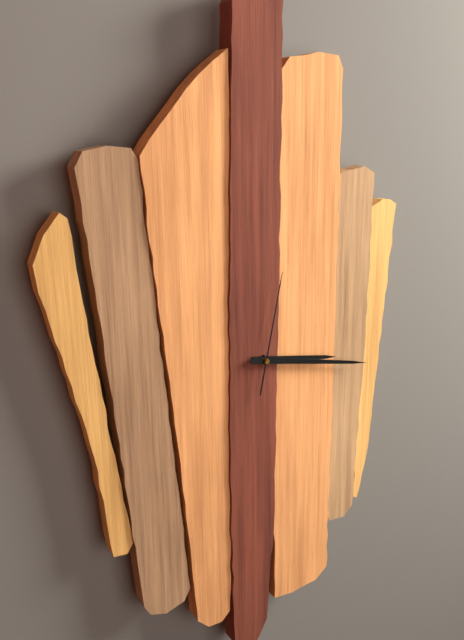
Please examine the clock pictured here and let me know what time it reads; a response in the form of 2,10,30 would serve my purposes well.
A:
3,17,02
